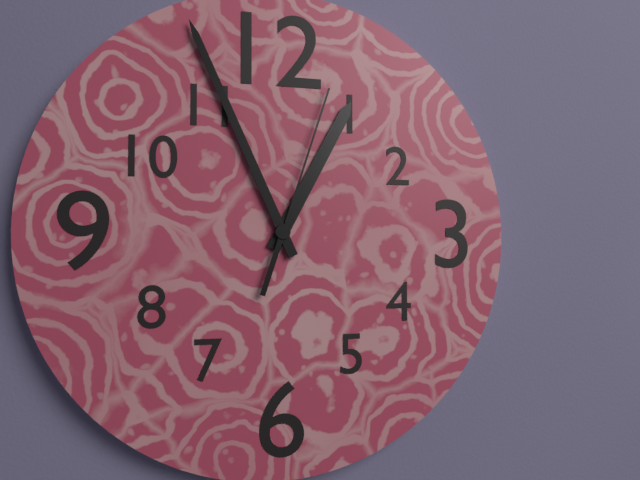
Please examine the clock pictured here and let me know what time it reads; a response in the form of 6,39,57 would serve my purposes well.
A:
12,56,03
